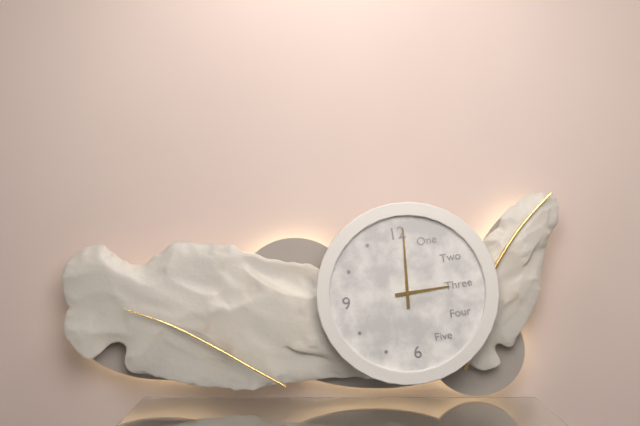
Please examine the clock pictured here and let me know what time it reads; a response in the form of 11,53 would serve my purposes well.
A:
3,01
